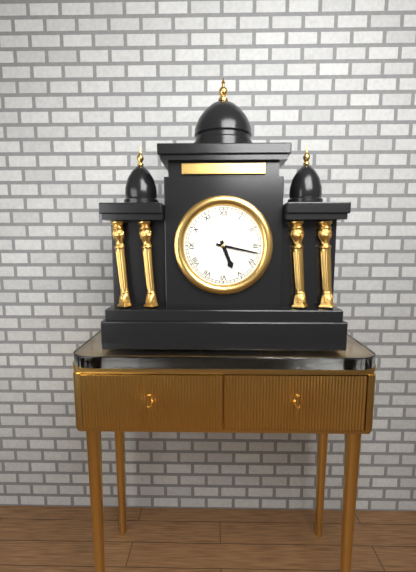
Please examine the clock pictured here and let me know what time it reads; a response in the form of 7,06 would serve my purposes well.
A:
5,17
